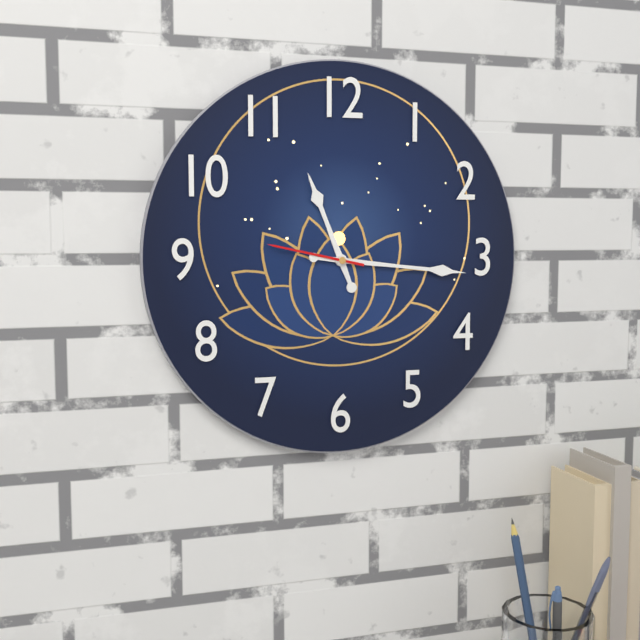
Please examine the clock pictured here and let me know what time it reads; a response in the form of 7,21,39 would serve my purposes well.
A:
11,16,47
